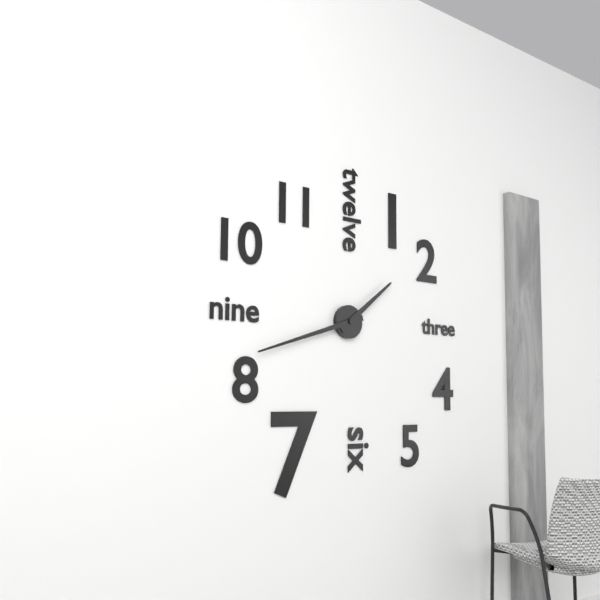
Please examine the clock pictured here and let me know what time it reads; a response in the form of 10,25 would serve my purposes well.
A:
1,42
